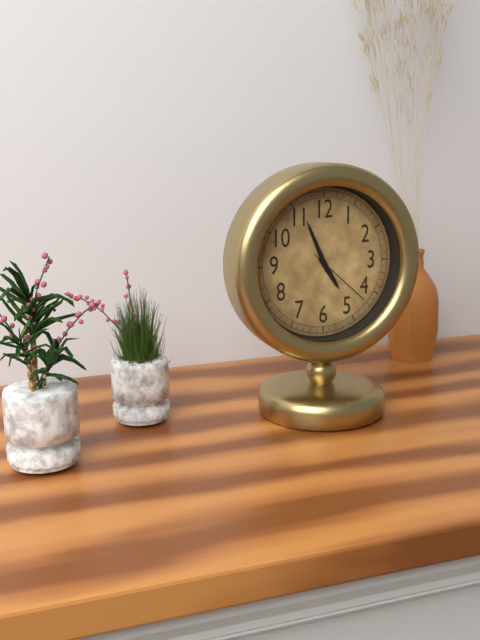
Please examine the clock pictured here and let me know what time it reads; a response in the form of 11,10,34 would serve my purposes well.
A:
4,56,22
